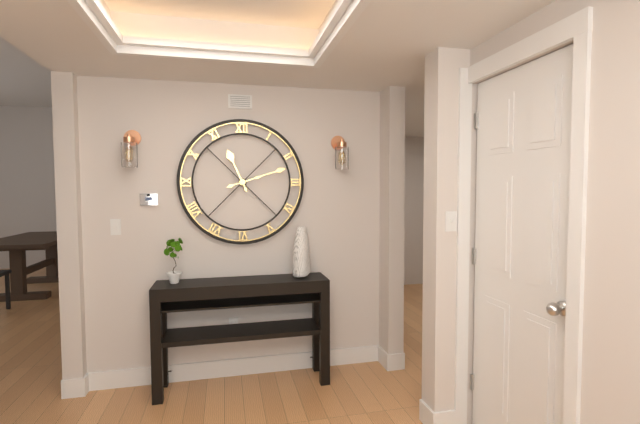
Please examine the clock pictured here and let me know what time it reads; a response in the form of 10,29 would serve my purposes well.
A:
11,12
